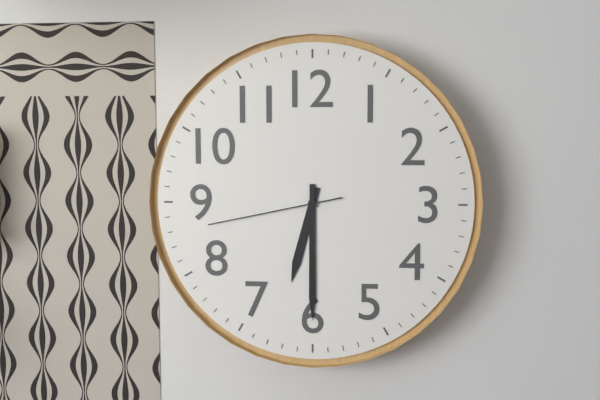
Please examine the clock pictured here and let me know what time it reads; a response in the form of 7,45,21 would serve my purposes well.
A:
6,30,43
